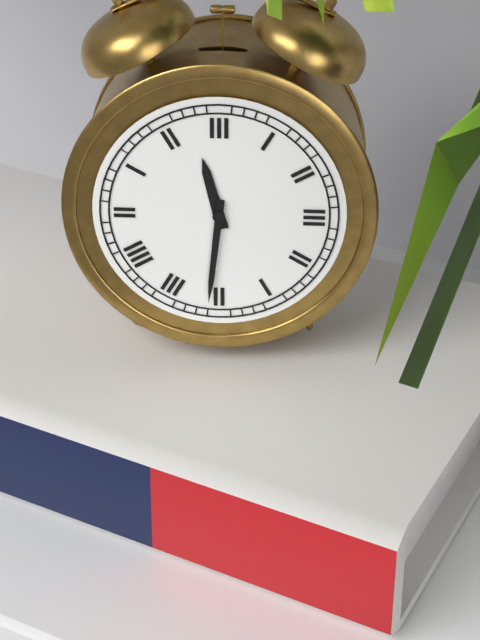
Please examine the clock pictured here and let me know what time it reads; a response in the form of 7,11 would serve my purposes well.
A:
11,31
